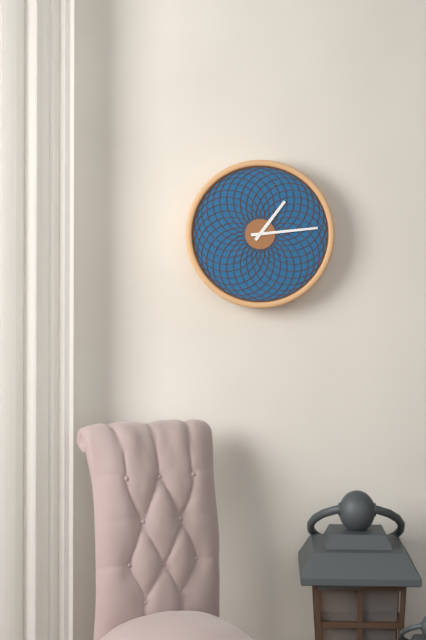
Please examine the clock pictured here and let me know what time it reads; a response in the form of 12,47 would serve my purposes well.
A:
1,14
